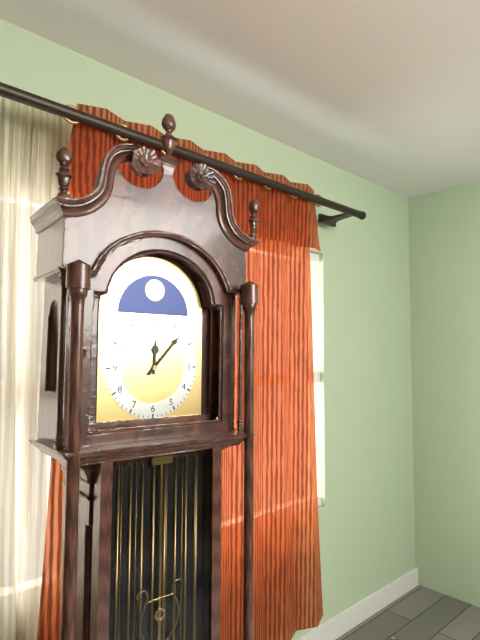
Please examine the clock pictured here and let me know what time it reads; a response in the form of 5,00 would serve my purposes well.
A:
12,07
